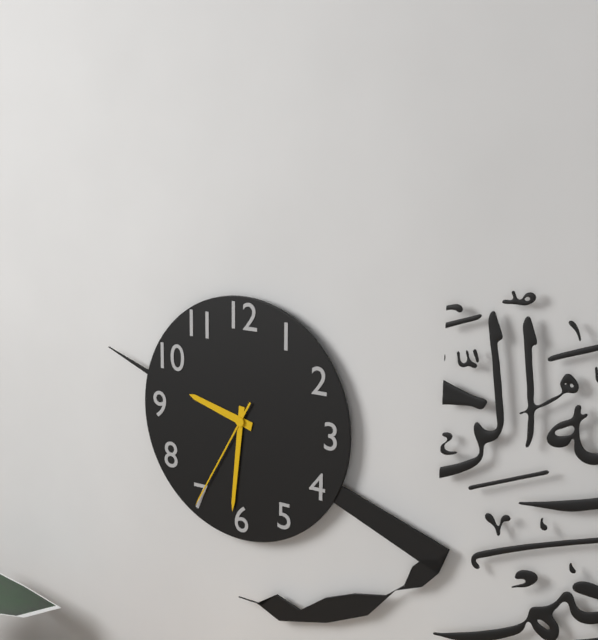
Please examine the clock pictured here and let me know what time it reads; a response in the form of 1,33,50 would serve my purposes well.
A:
9,31,35
